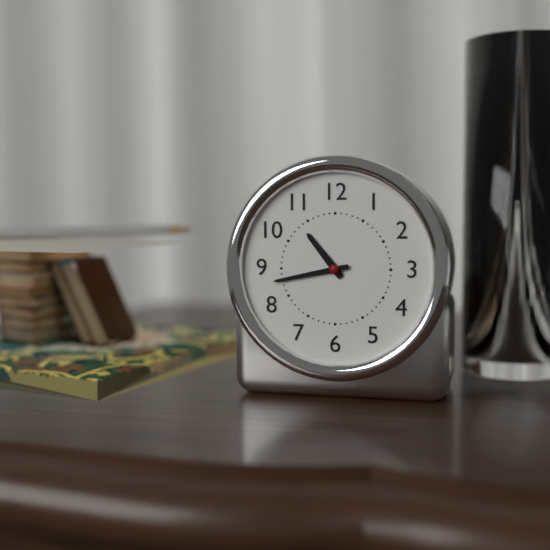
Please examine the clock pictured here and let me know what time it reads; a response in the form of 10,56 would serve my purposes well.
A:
10,43
